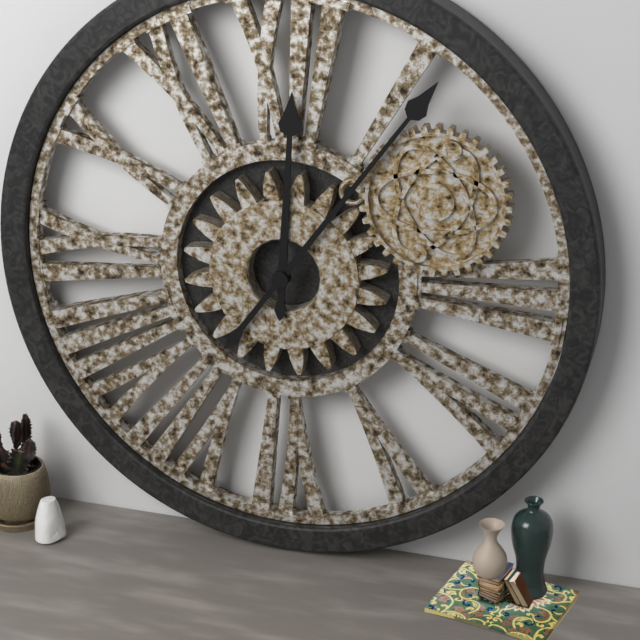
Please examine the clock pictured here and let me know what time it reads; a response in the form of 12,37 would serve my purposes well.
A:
12,06
